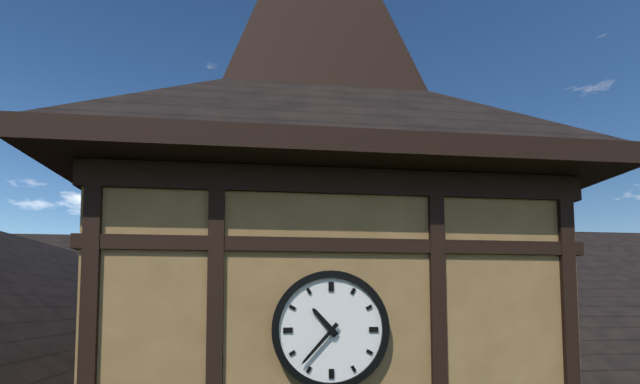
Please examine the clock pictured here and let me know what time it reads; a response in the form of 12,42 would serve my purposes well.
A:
10,37
